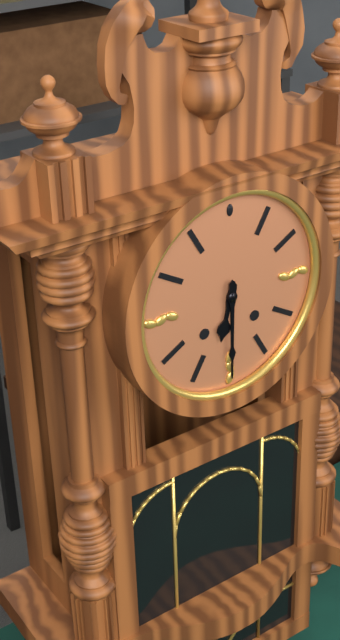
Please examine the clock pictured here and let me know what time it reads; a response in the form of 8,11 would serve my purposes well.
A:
6,30
